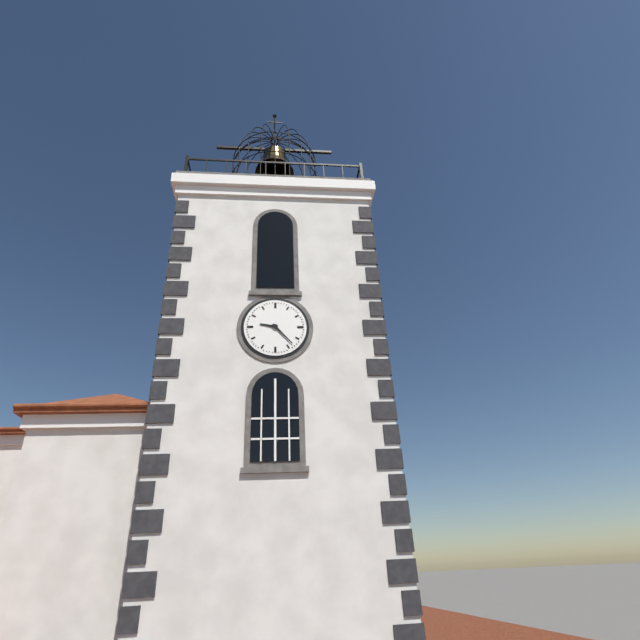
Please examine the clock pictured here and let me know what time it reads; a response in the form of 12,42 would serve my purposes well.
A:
9,23
